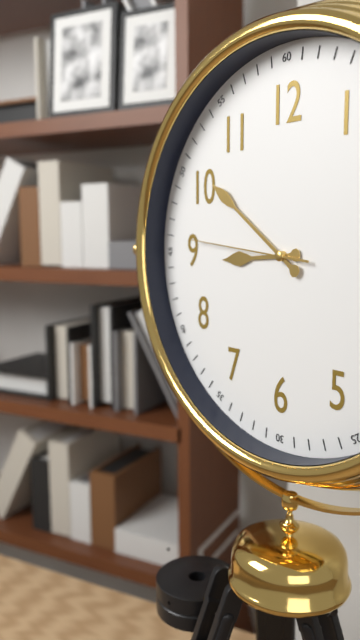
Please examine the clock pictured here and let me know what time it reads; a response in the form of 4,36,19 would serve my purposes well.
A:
8,51,46
